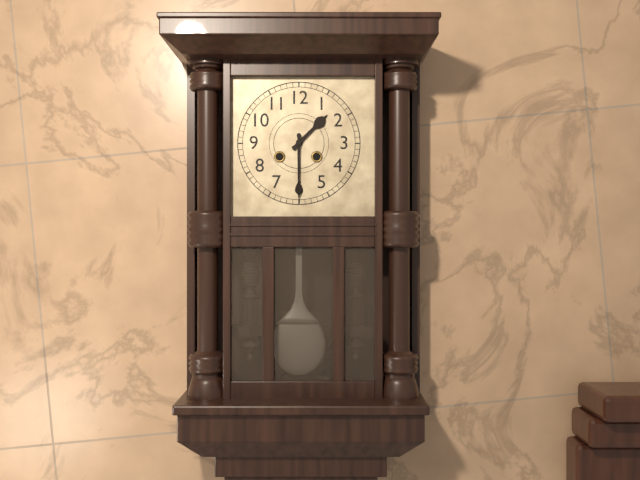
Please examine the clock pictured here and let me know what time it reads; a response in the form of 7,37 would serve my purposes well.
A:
1,30
